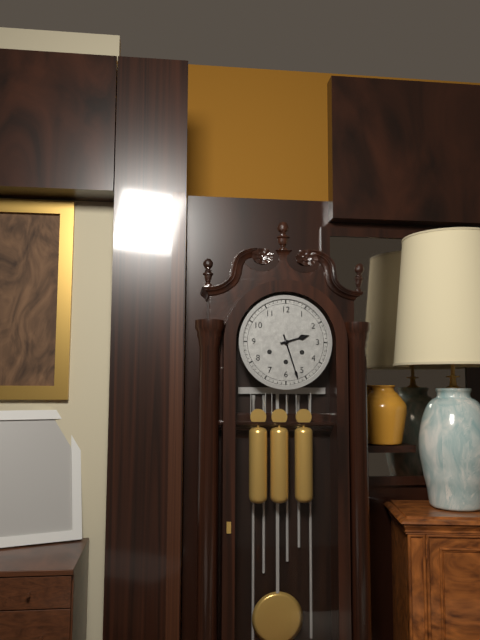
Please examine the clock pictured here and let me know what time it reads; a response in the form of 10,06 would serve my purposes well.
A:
2,27
